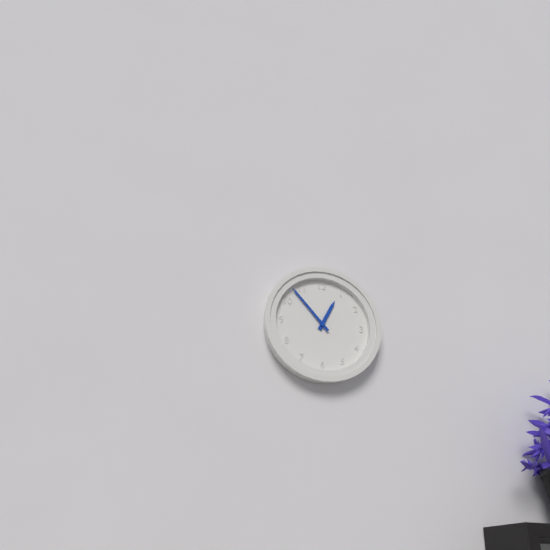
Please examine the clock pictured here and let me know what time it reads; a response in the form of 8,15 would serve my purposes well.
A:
12,53
